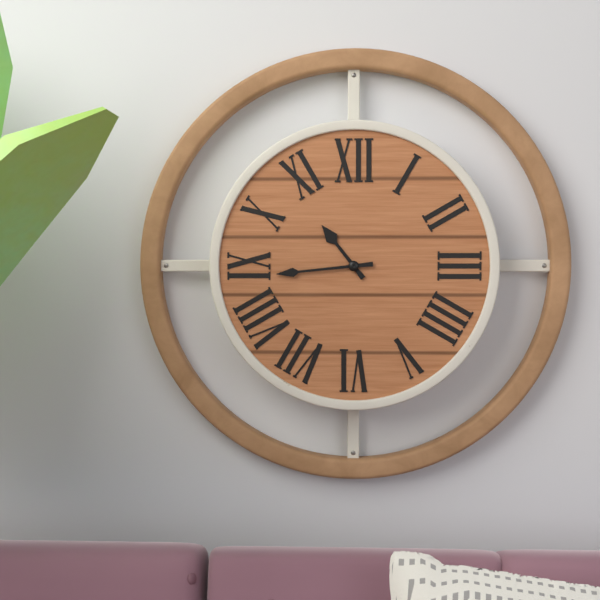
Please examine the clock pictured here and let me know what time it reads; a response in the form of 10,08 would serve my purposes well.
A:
10,44
